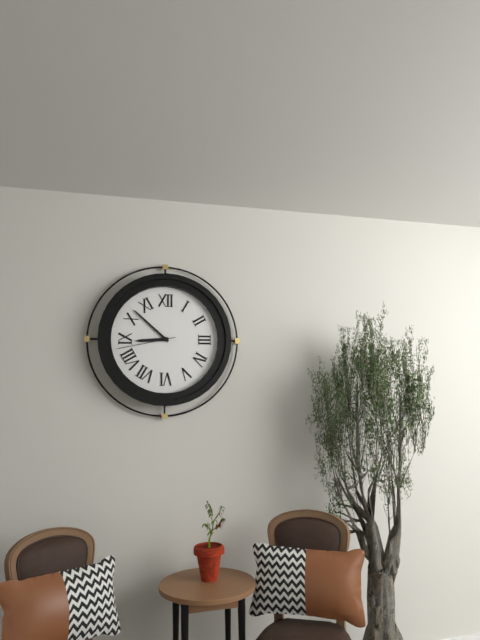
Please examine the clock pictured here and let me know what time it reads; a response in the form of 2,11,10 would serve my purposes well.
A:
8,52,43
